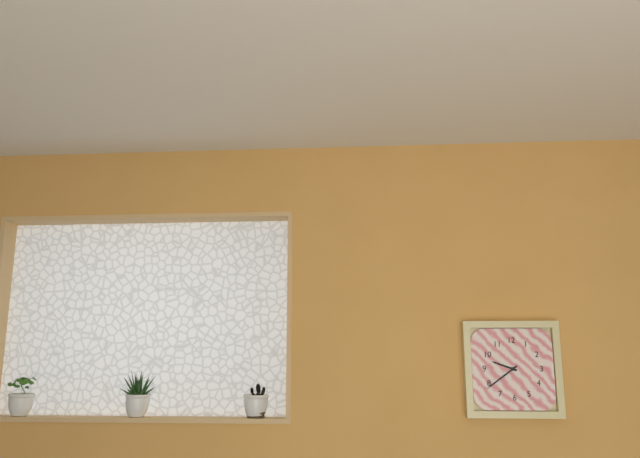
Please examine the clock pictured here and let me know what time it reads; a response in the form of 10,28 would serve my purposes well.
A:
9,39
